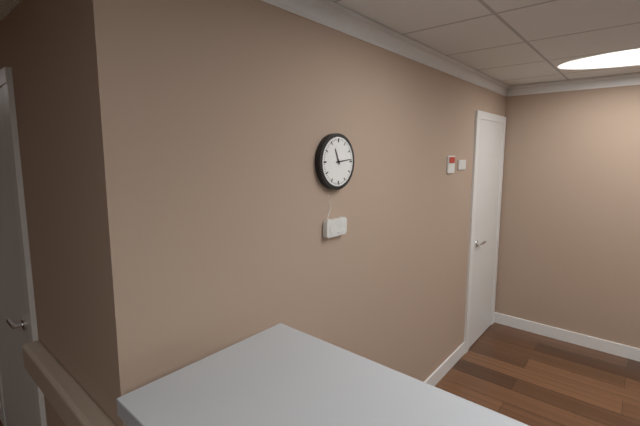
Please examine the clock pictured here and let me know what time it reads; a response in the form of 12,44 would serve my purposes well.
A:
11,14
